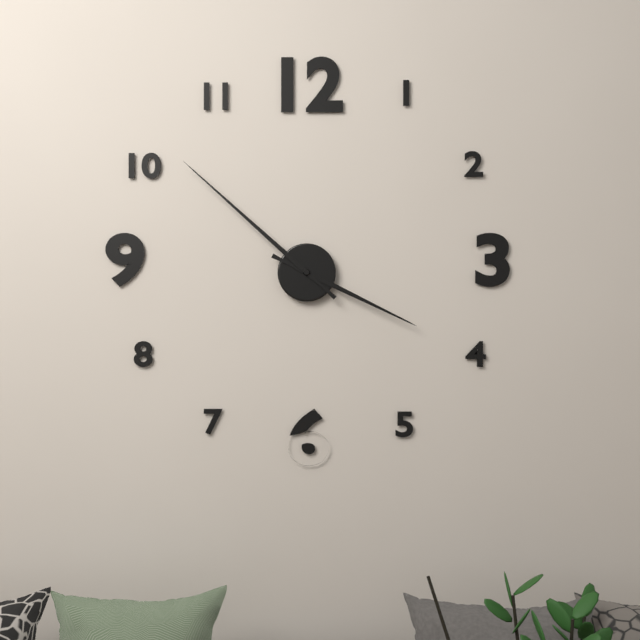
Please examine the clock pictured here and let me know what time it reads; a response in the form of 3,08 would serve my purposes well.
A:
3,52
